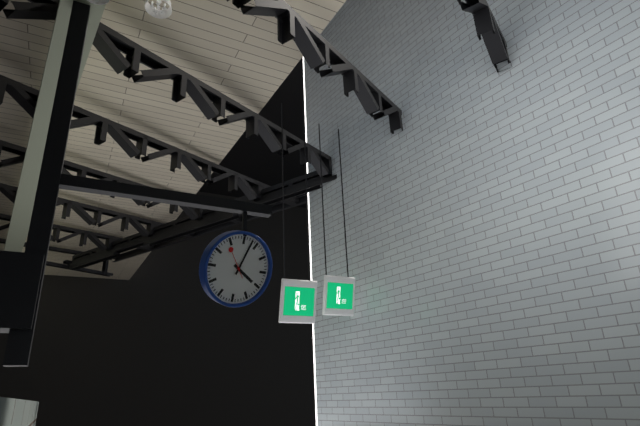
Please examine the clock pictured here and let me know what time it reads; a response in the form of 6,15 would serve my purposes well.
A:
4,03
